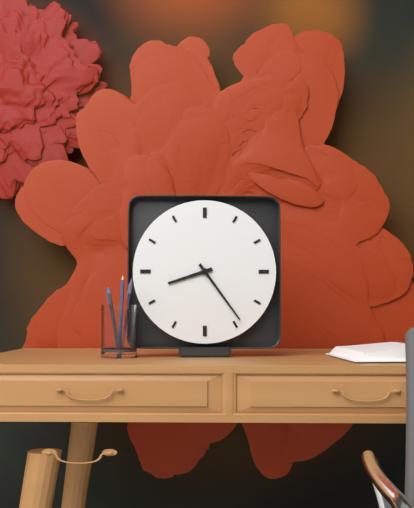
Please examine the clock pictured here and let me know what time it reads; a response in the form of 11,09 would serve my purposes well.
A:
8,24
